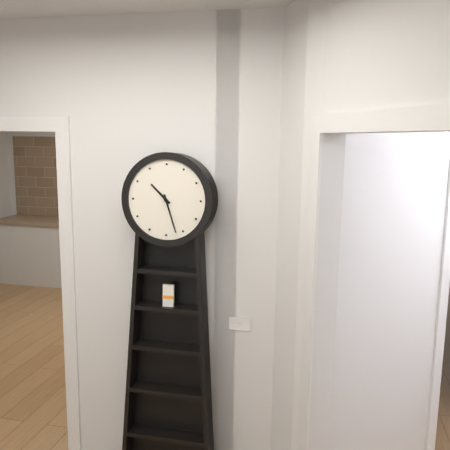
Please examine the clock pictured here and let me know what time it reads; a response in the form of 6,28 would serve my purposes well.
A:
10,27
